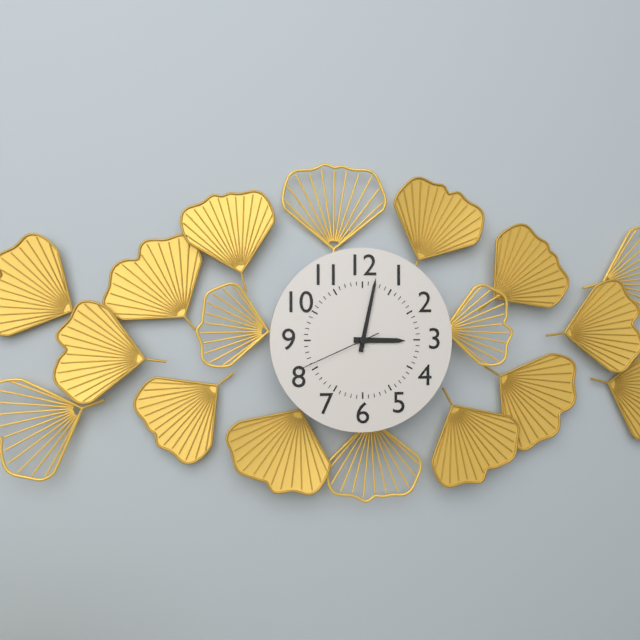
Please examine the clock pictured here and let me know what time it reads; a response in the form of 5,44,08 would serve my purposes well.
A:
3,02,41
